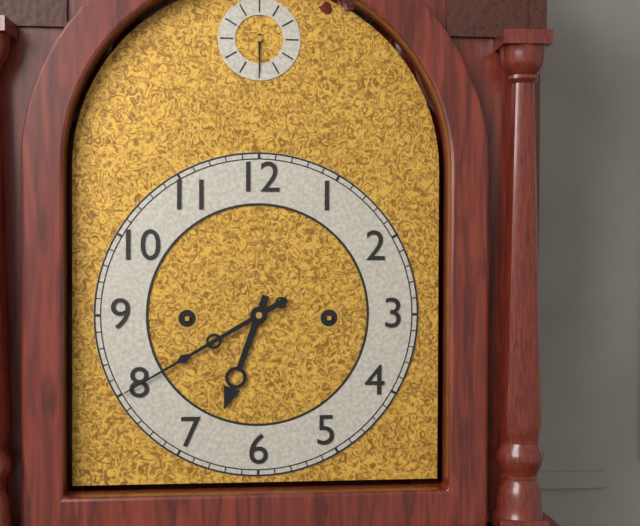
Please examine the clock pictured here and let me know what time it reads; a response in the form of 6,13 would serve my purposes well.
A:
6,40
